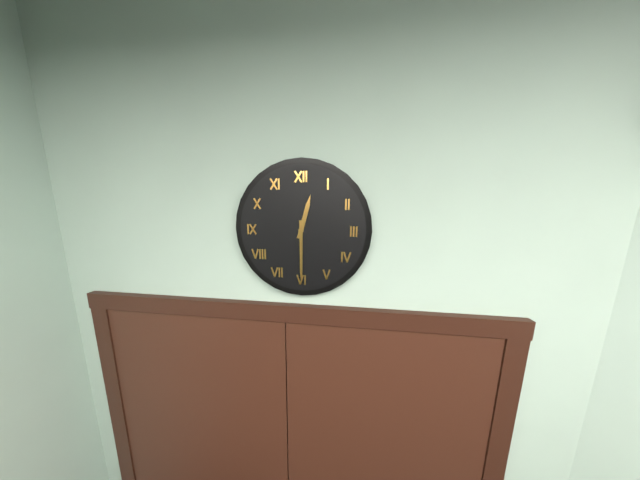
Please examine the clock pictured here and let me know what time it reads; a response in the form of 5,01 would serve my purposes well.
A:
12,30
